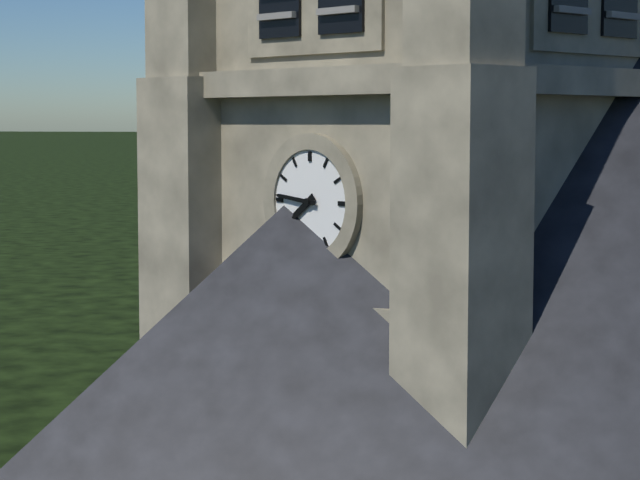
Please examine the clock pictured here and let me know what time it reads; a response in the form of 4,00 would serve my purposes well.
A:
7,46
